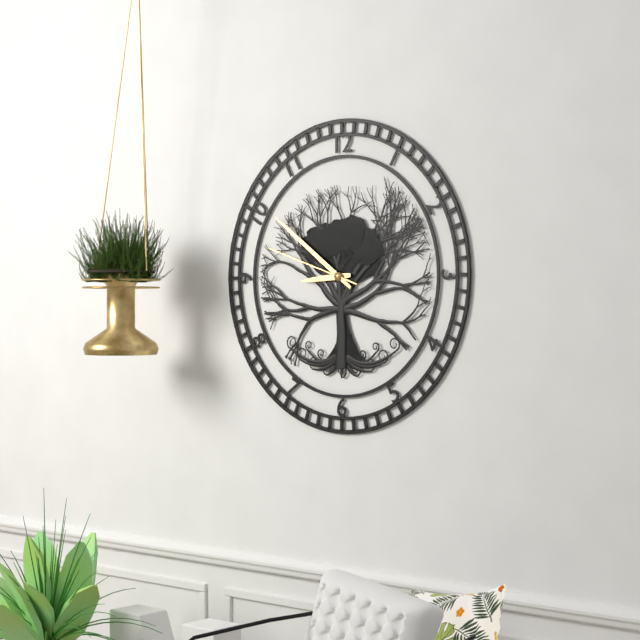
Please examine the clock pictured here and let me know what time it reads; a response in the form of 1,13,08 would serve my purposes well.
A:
8,51,48
